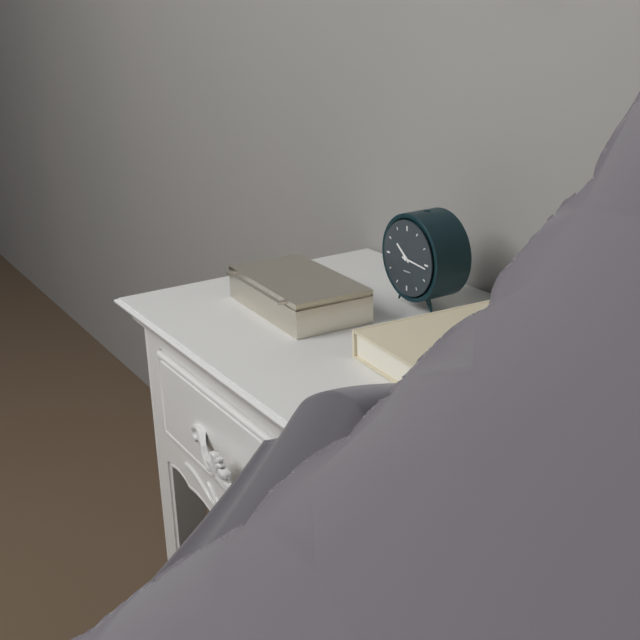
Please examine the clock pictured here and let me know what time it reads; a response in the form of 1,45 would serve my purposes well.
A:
10,16
